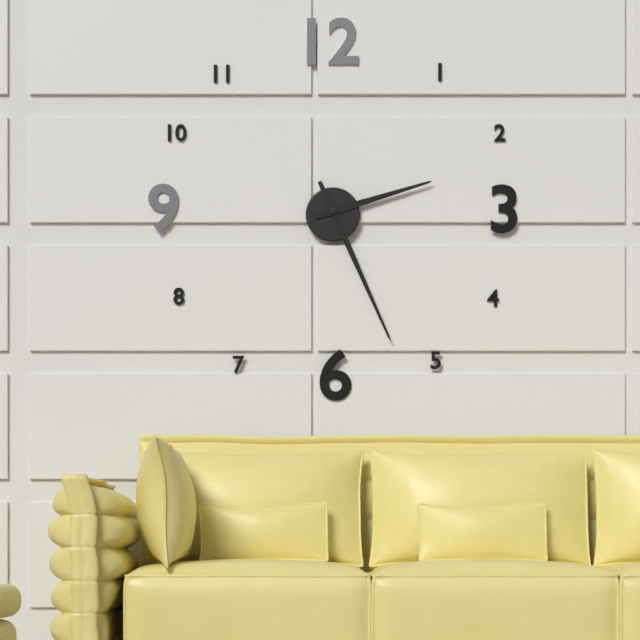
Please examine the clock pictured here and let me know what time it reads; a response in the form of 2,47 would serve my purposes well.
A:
2,26
